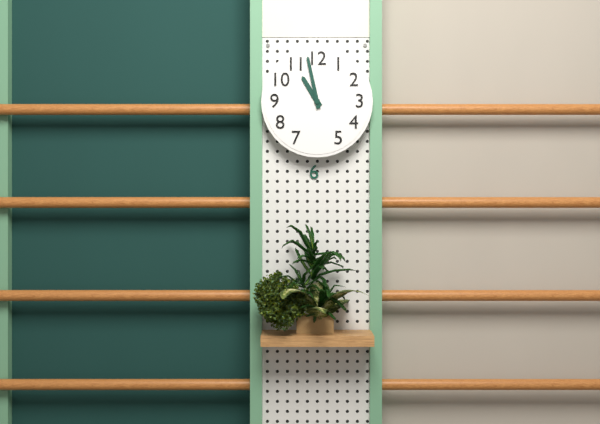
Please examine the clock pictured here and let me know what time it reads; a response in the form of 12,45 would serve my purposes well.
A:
10,58
